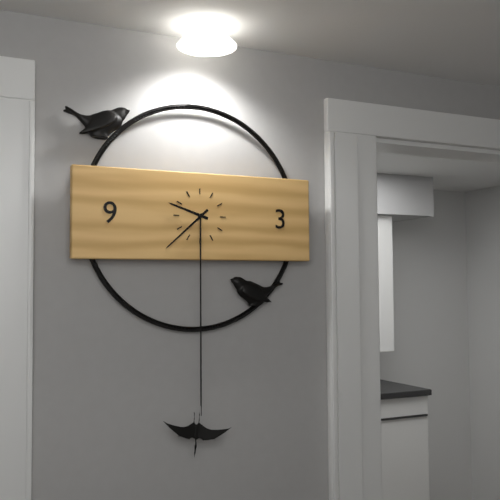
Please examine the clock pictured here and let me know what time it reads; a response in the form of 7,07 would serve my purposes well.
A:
9,38
